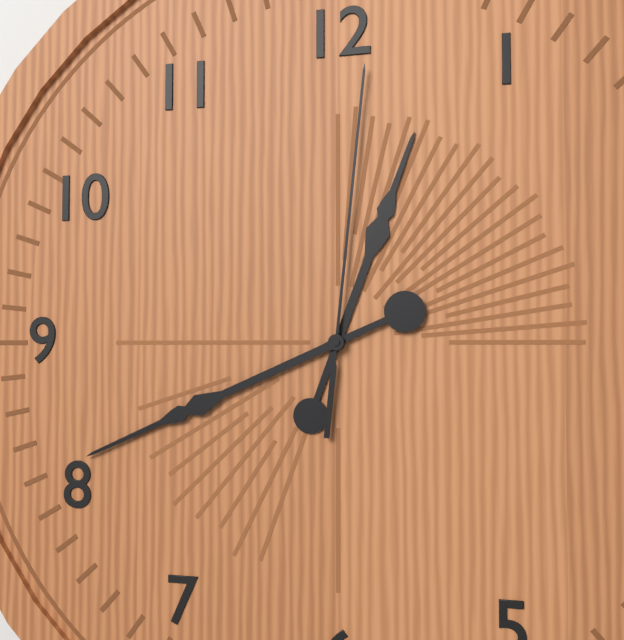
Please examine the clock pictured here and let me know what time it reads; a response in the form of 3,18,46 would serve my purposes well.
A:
12,41,01
